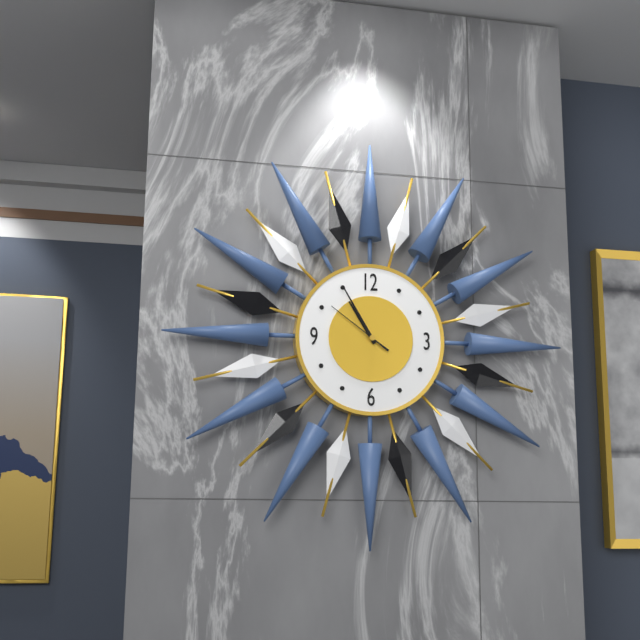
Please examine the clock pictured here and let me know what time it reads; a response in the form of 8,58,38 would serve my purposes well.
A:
10,55,51
